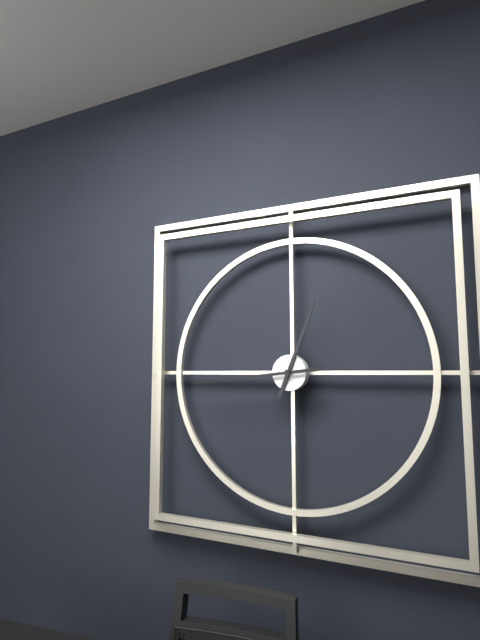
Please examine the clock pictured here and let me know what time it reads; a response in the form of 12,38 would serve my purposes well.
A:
12,44
